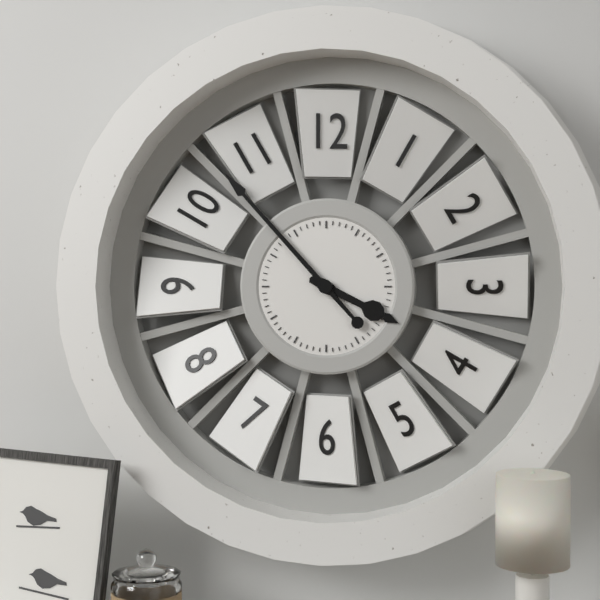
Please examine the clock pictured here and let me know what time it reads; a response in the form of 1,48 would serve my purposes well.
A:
3,53
